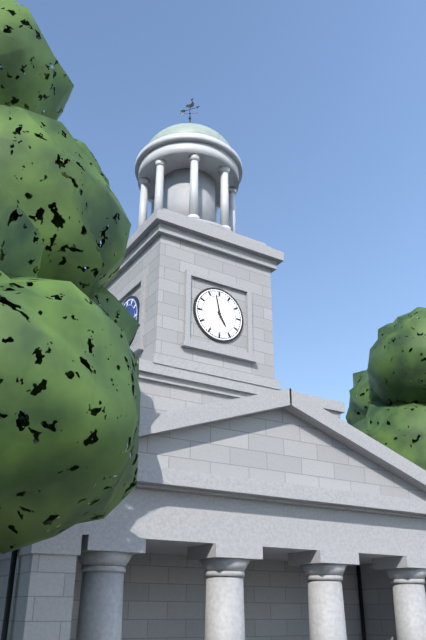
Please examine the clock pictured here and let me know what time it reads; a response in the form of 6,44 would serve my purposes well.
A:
4,58
